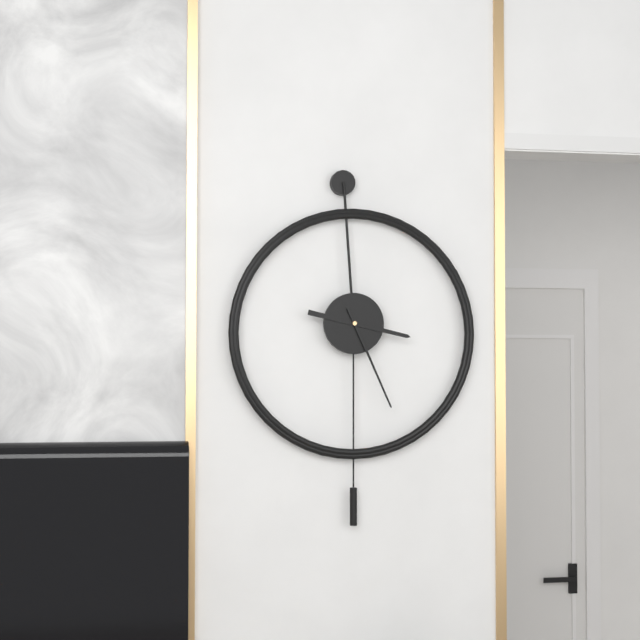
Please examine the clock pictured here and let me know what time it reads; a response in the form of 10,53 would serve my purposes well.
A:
3,26
